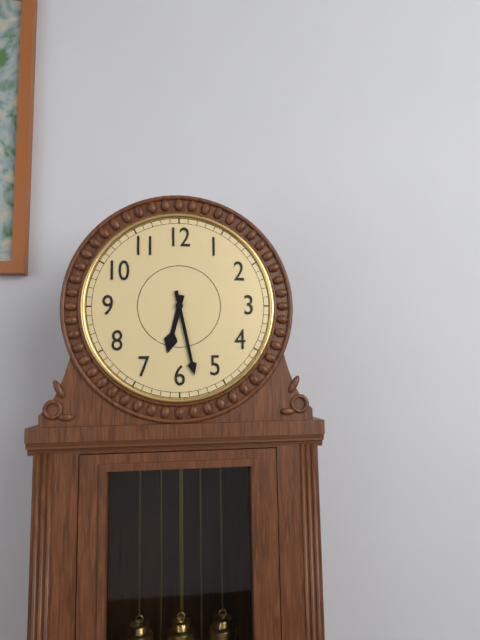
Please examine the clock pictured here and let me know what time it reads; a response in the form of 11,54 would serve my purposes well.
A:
6,28
